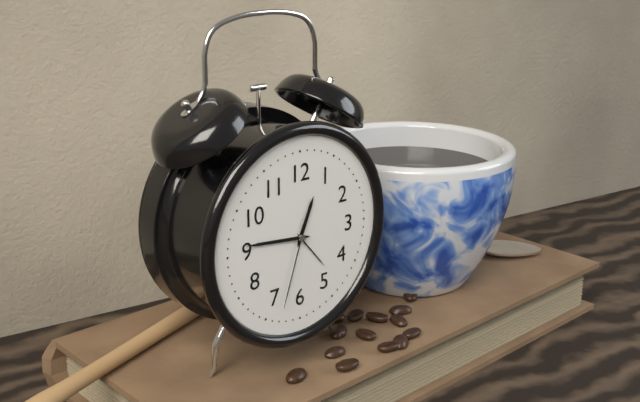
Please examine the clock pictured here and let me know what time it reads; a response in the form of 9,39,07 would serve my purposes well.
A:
12,46,33
